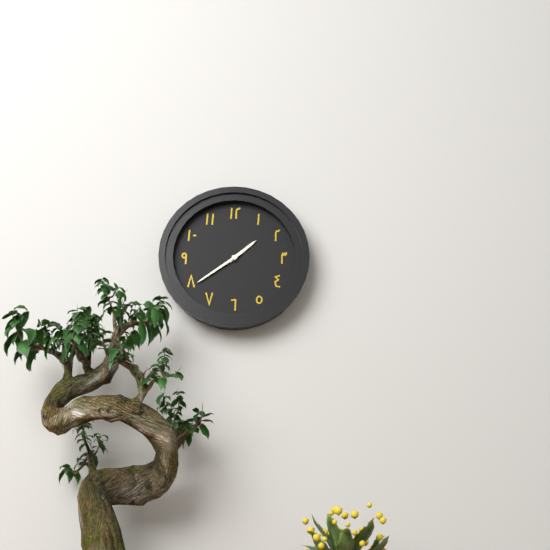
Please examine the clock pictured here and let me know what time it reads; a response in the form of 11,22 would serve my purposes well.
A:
1,39
